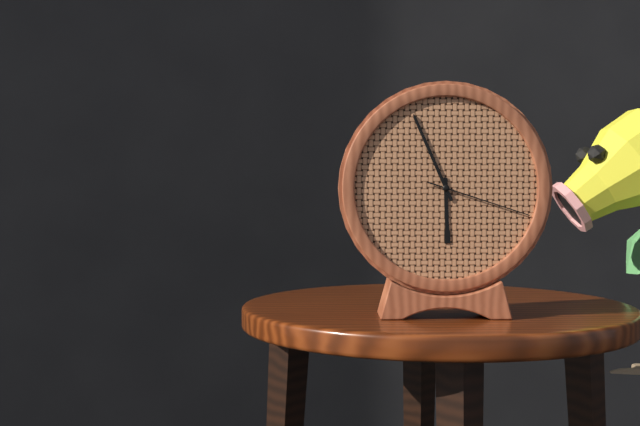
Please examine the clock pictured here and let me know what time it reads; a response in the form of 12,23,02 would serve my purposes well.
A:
5,56,18
